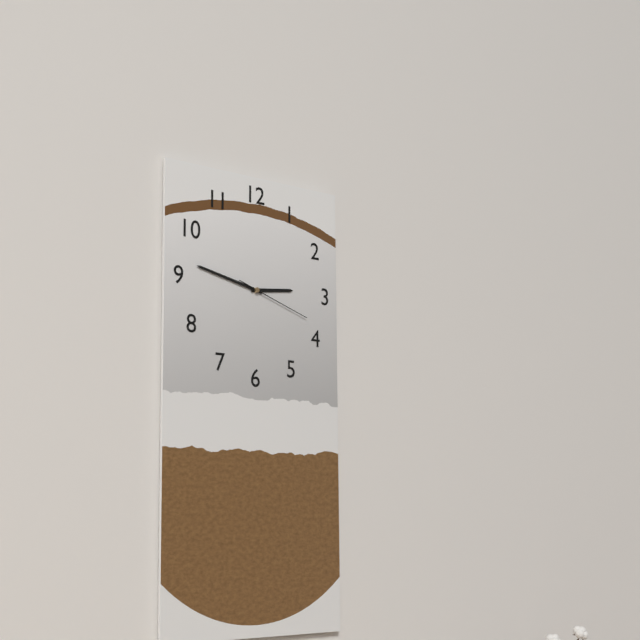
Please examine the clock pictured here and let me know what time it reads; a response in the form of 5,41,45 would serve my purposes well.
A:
2,47,18
